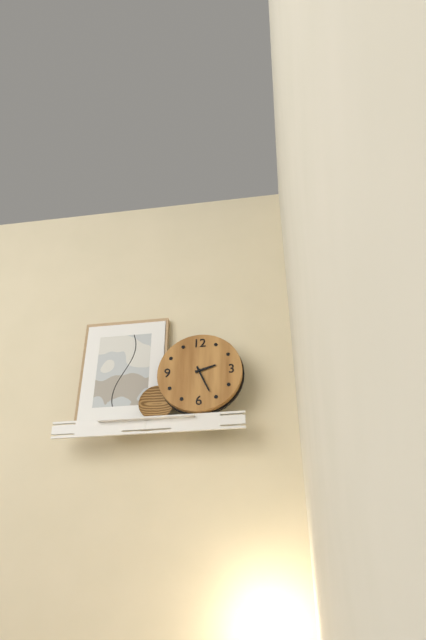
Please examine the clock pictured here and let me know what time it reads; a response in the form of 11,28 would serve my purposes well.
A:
2,26
